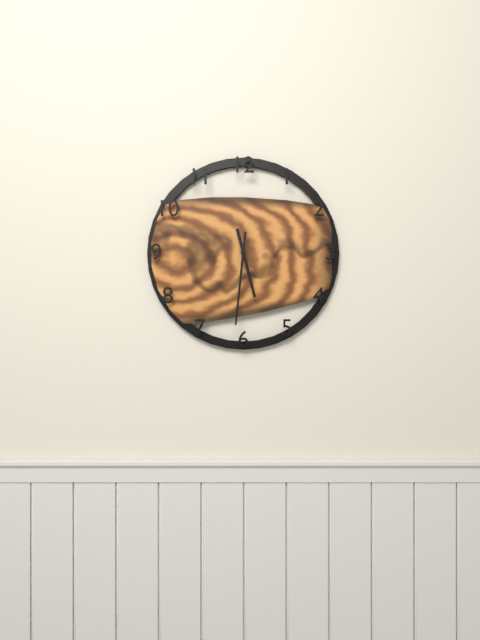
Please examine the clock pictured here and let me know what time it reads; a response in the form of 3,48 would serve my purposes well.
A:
5,31
